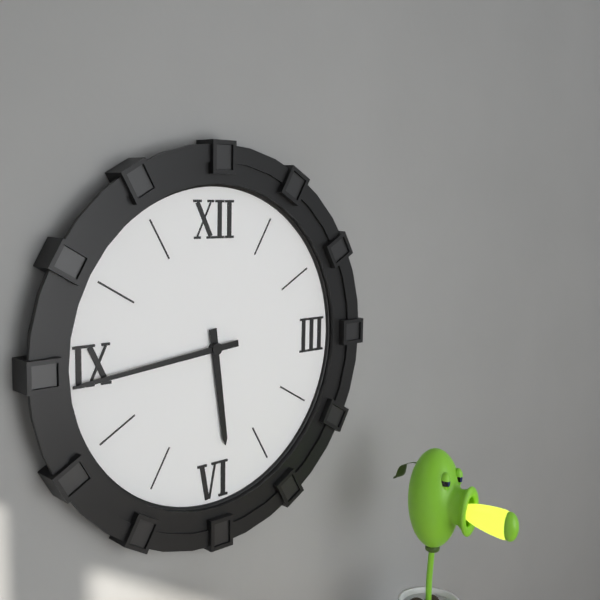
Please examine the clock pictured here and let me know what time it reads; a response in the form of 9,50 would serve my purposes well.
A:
5,44
